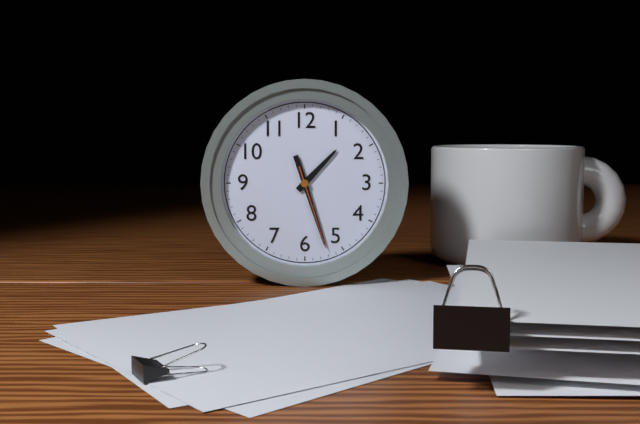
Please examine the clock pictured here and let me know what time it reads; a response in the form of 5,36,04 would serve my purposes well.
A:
1,27,27
